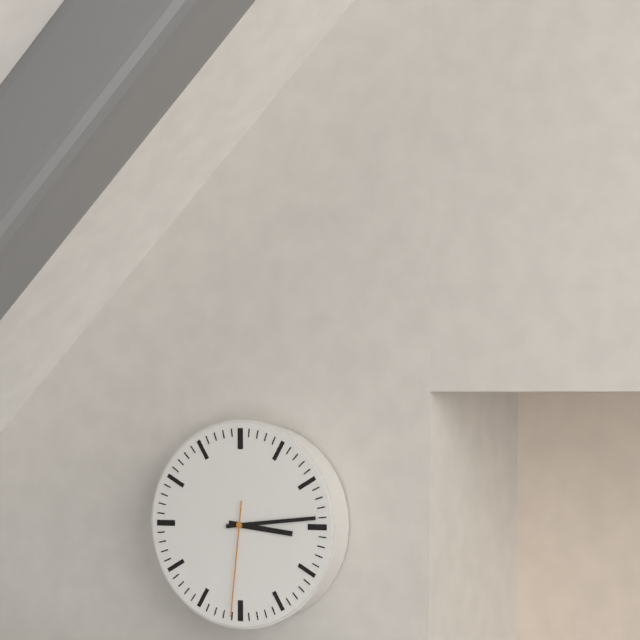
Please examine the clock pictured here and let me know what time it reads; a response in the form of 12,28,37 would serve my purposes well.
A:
3,14,31
